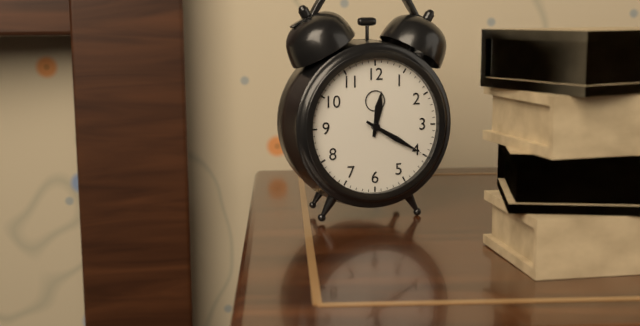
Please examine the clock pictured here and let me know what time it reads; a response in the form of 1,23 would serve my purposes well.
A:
12,20
